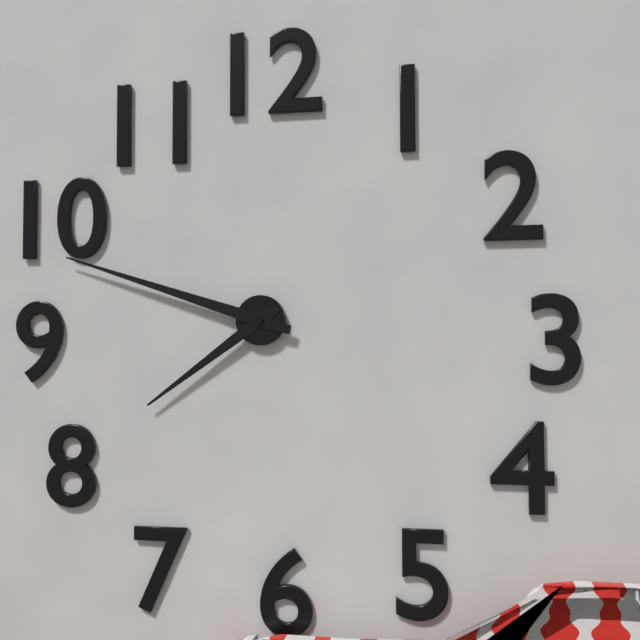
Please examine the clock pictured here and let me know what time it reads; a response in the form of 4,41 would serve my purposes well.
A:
7,48
